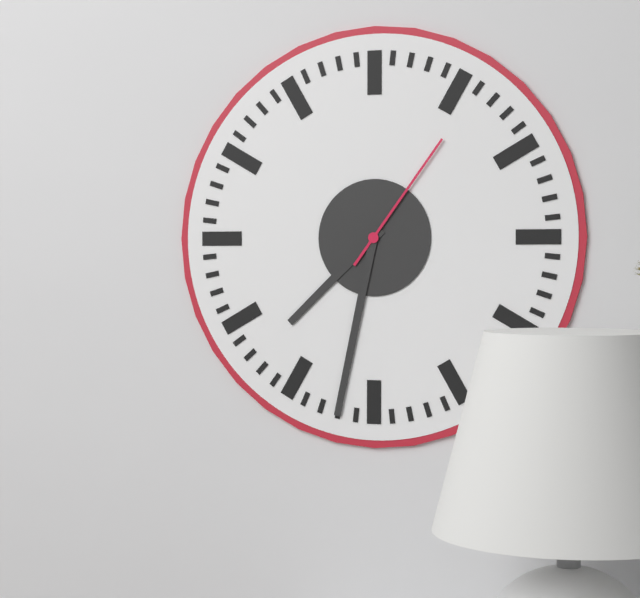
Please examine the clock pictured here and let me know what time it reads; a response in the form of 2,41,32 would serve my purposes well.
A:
7,32,06
